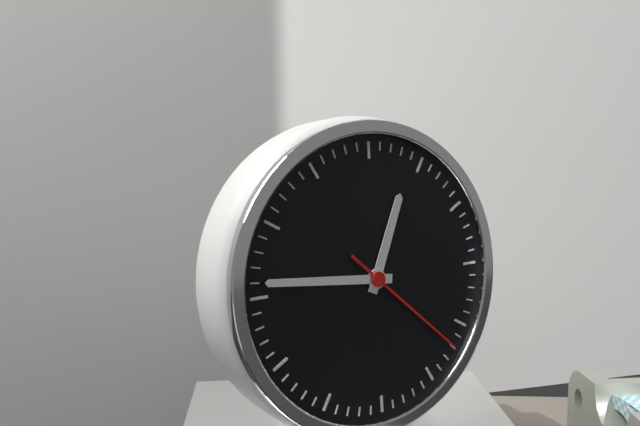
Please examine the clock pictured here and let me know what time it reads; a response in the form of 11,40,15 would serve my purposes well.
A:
12,46,22
